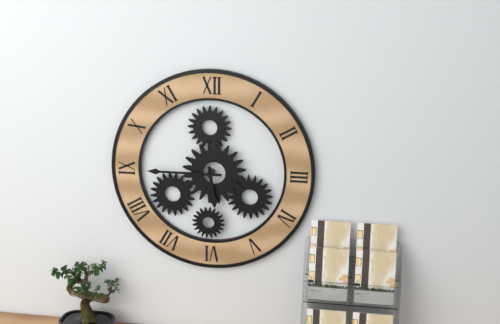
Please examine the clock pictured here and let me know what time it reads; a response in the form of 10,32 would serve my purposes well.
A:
5,45
